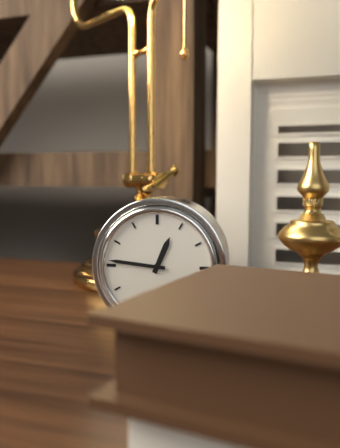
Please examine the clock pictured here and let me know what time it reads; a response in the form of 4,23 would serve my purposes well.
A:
12,46
